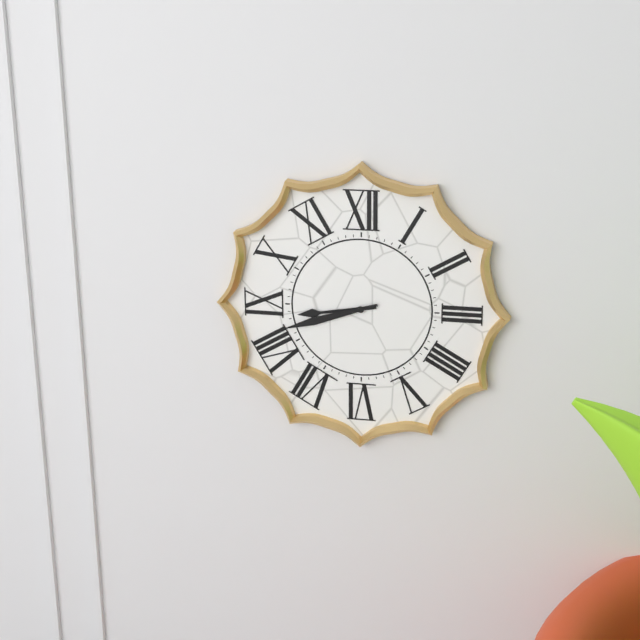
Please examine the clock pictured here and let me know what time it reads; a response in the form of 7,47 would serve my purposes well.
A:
8,42
